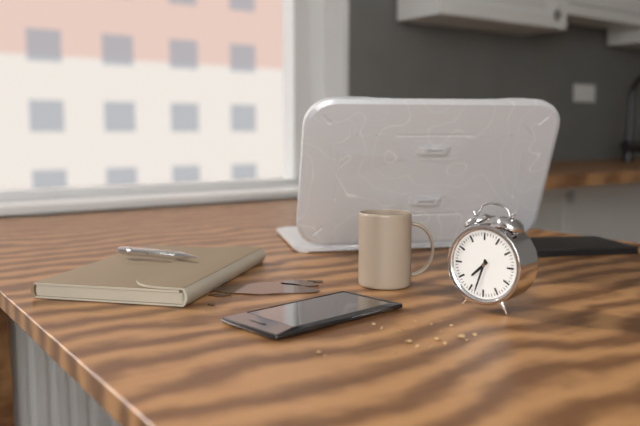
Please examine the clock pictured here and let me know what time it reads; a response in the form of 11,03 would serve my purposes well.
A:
7,33
